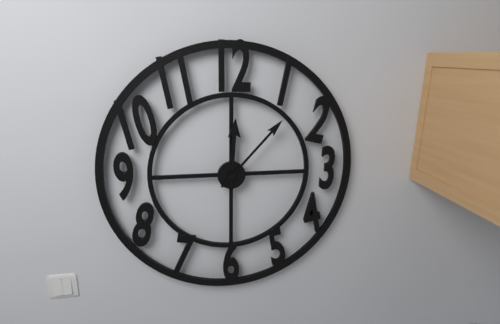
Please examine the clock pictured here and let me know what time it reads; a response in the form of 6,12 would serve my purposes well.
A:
12,07
